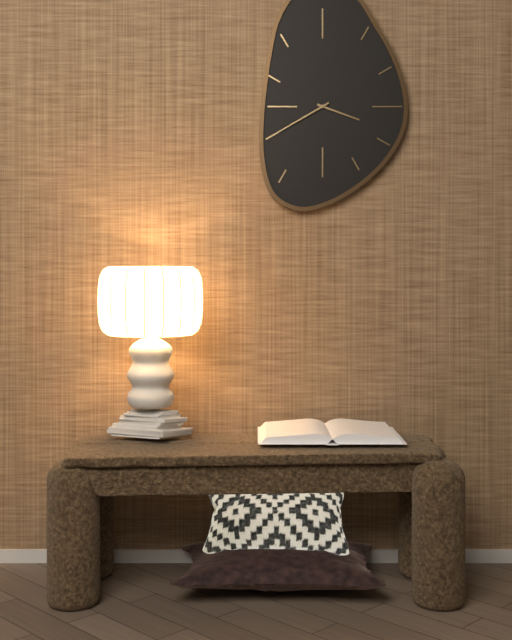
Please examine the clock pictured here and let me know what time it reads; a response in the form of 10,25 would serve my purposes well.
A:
3,40
